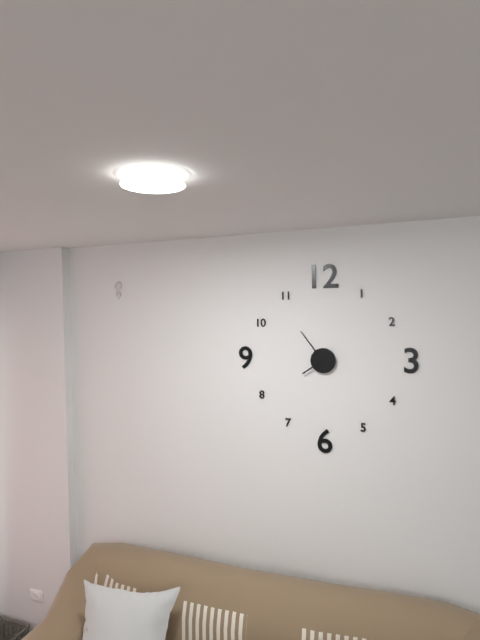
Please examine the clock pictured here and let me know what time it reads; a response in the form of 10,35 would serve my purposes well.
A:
7,54
